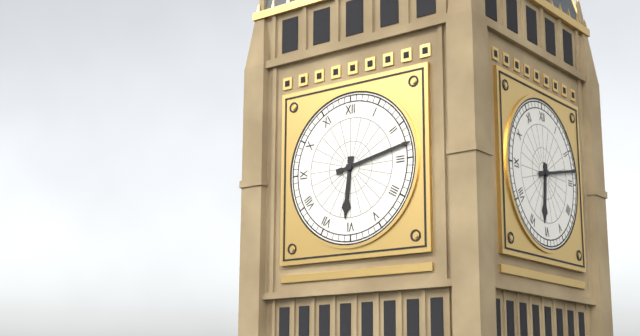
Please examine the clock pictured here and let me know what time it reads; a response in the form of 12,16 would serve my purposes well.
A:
6,13
